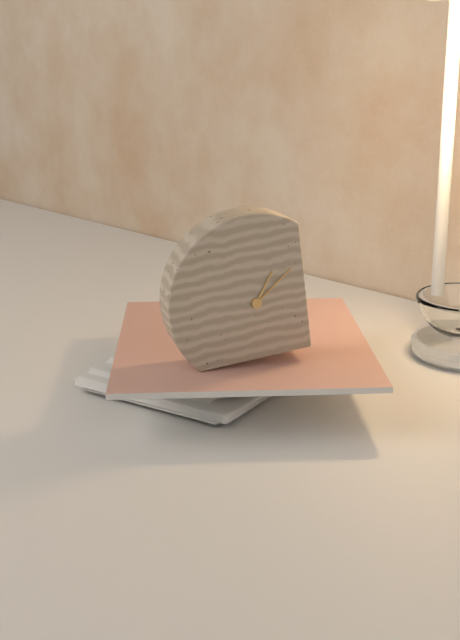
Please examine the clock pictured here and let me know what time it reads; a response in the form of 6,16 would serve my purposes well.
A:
1,09
